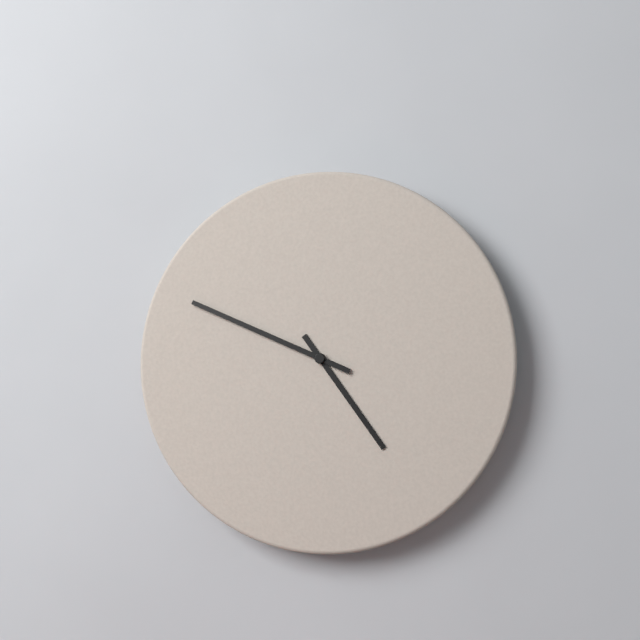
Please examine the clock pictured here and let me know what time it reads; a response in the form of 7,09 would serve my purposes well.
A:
4,49
